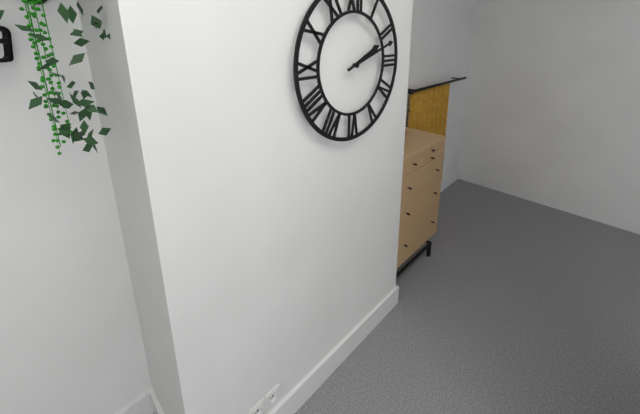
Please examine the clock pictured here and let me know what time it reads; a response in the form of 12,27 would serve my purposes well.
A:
2,12
